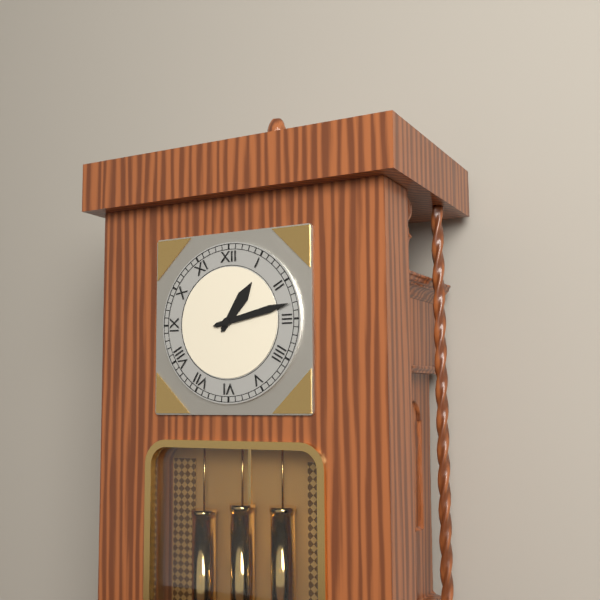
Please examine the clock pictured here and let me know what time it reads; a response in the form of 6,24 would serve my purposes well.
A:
1,13
